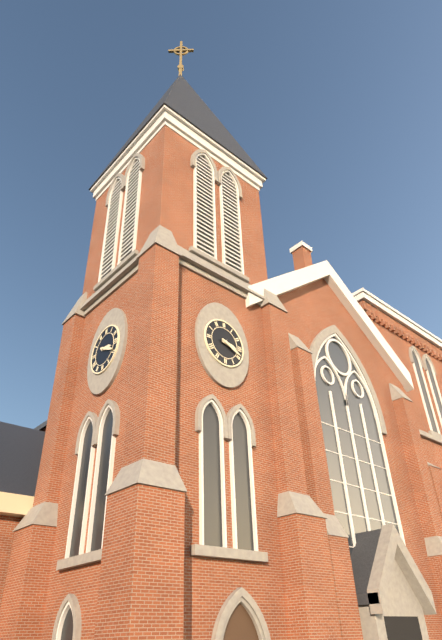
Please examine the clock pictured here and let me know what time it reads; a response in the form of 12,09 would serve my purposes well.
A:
3,19
